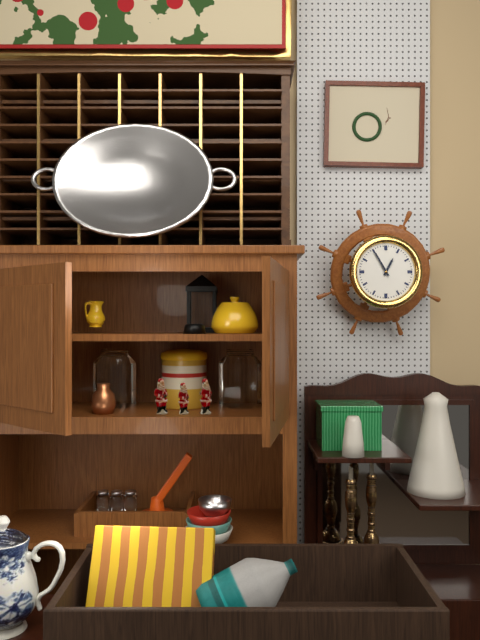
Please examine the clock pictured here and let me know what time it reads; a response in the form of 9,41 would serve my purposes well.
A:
12,55
